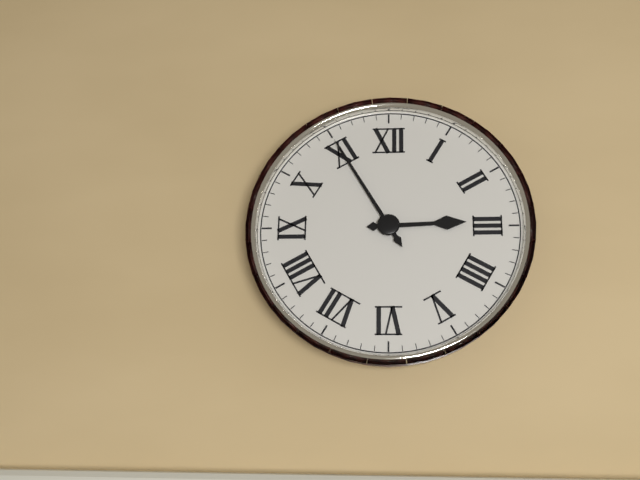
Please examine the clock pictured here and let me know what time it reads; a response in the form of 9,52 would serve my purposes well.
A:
2,55
